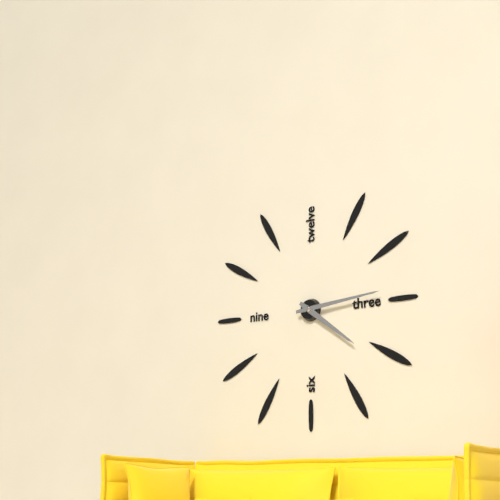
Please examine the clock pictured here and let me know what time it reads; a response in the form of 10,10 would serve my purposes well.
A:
4,14
